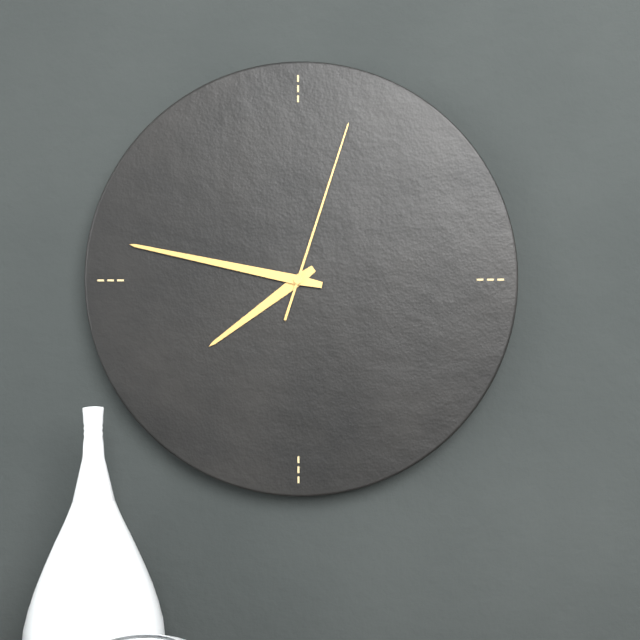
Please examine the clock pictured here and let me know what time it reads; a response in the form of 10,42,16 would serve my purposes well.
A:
7,47,03
